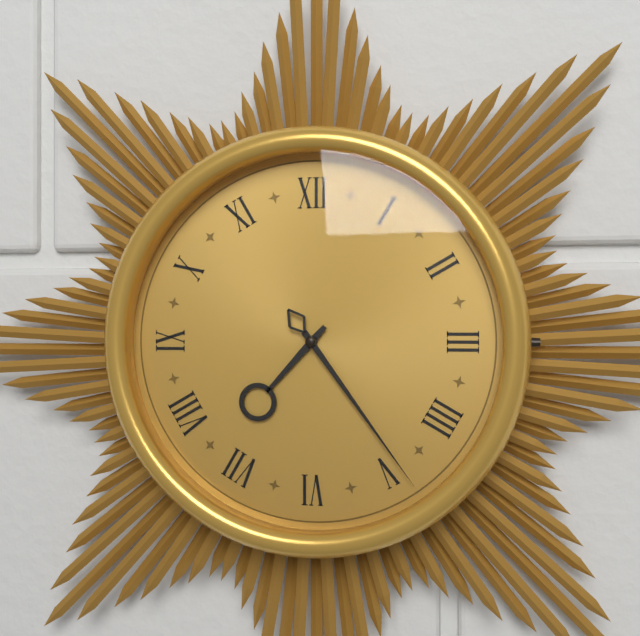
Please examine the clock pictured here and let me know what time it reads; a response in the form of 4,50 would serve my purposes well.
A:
7,24
